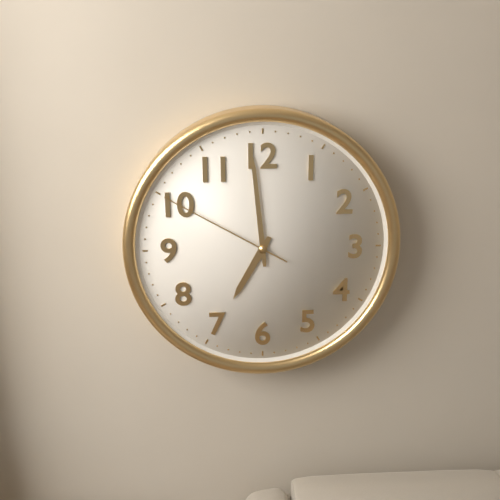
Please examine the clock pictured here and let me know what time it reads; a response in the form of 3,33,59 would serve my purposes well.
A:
6,59,50
